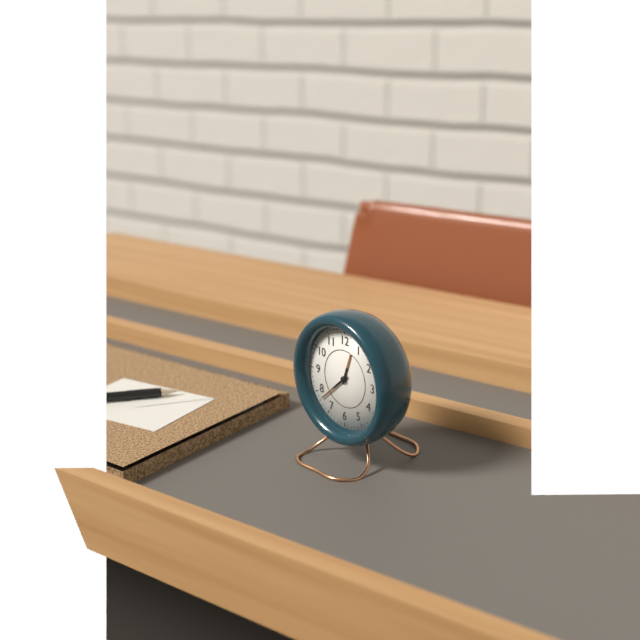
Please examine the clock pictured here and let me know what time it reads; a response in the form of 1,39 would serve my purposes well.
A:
12,38
